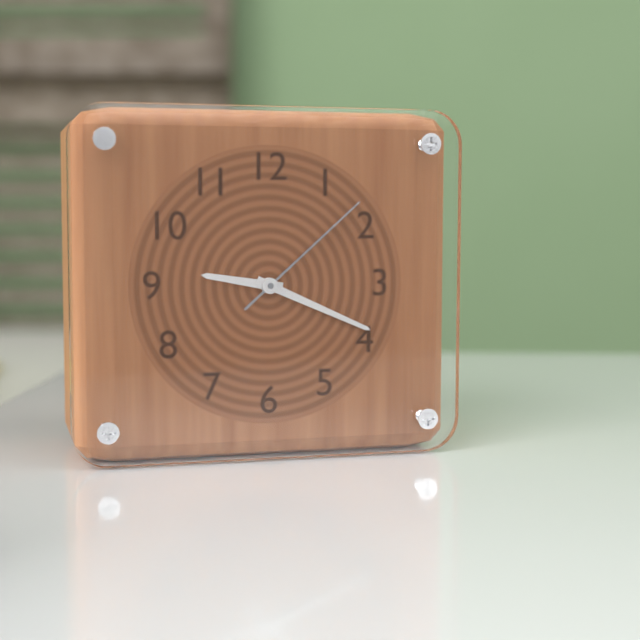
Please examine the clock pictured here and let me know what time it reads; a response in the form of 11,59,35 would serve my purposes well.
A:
9,19,08
